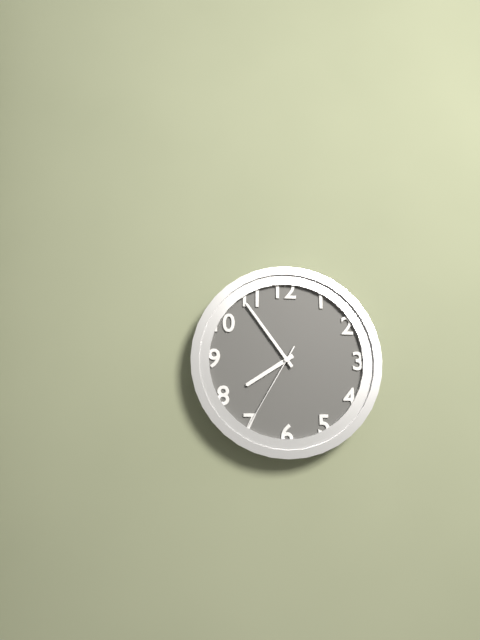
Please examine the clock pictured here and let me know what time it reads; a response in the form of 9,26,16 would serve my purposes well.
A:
7,54,35
